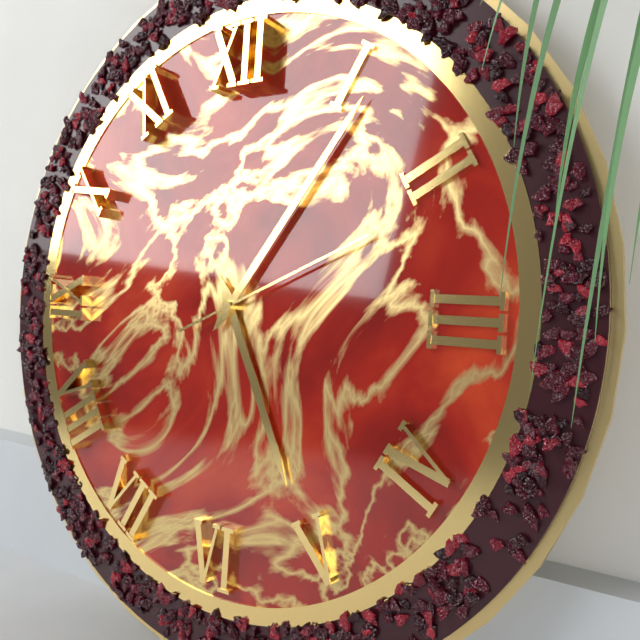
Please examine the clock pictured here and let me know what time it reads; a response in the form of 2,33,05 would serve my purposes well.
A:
5,06,11
